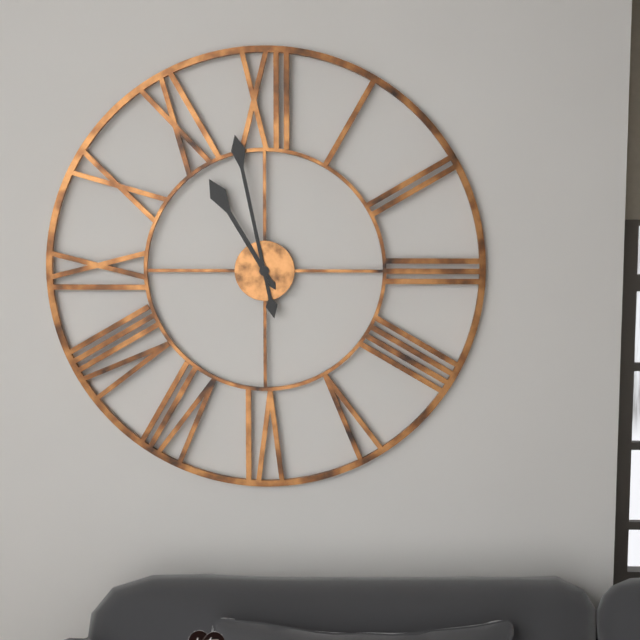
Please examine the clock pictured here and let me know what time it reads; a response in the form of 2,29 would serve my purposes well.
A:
10,58
